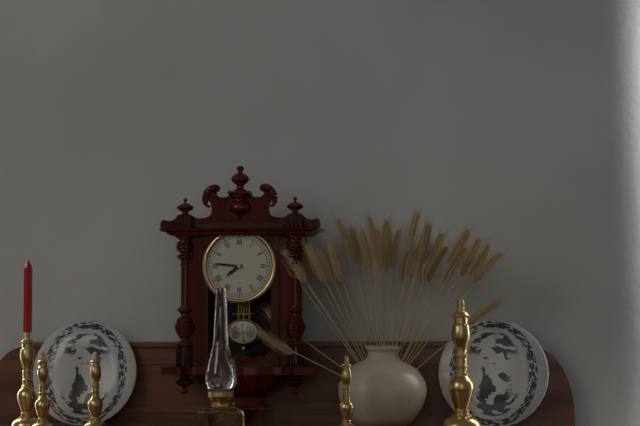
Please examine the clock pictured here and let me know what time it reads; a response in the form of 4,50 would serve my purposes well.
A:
7,46
